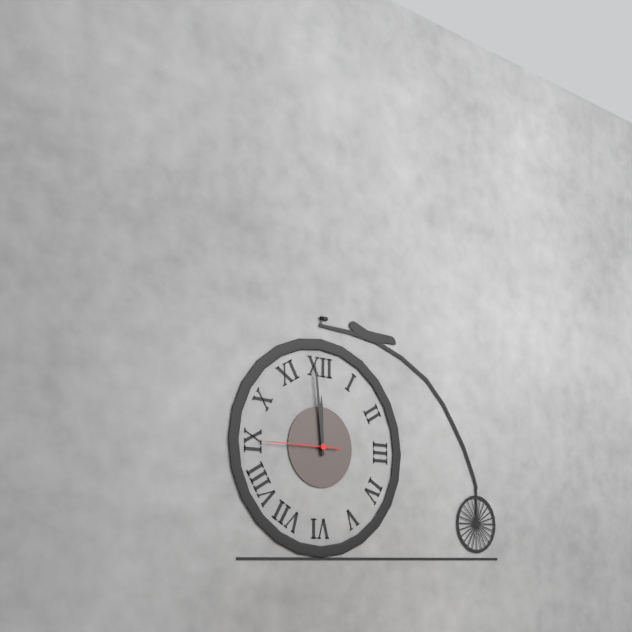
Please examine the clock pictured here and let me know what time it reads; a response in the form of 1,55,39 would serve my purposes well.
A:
11,59,45
